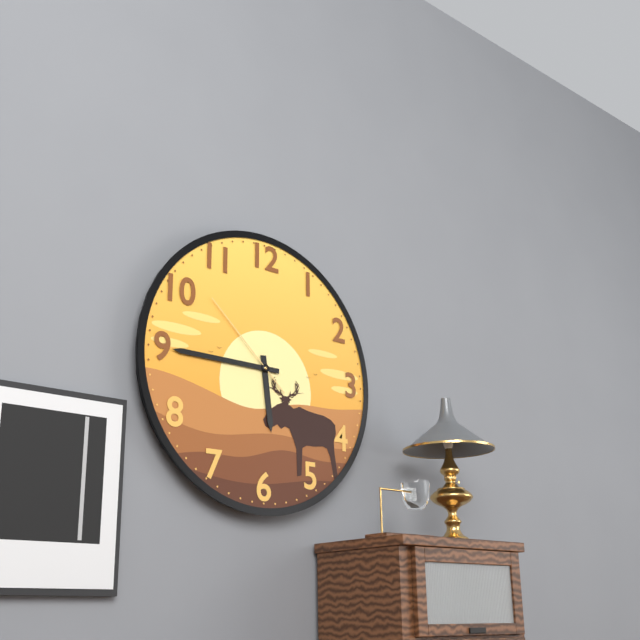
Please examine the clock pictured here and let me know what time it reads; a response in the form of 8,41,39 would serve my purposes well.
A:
5,45,52
